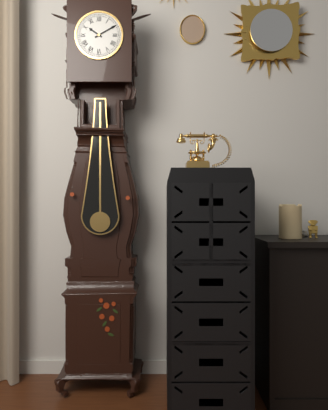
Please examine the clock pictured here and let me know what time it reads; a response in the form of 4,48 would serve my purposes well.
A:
10,10
